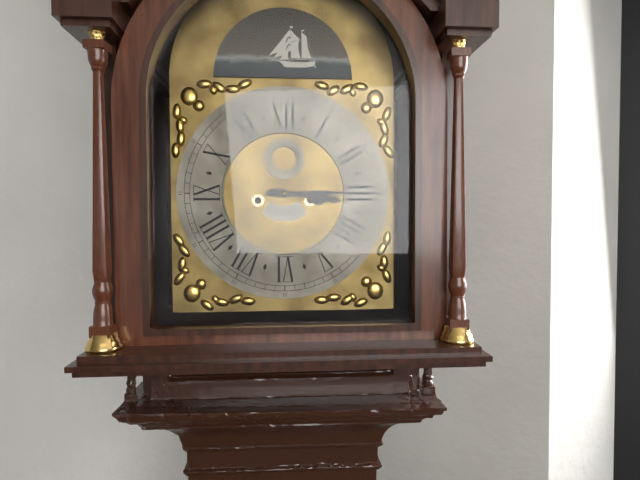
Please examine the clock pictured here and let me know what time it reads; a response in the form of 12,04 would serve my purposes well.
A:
3,15
